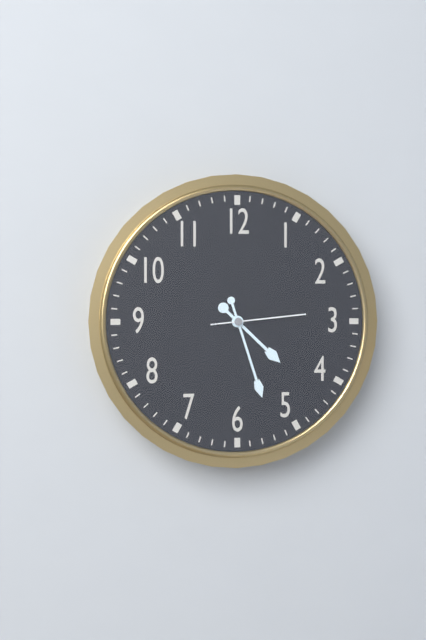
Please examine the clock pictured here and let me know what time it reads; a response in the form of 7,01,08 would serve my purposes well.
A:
4,27,14
